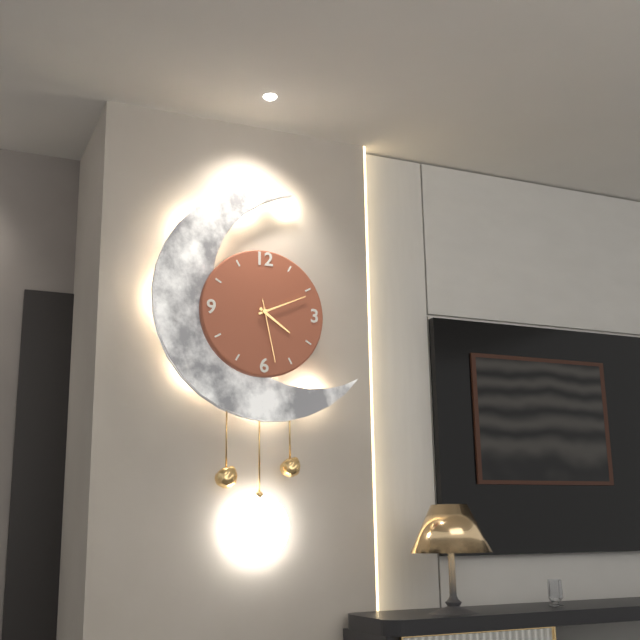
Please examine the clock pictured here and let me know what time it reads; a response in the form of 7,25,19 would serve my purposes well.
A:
4,11,28
